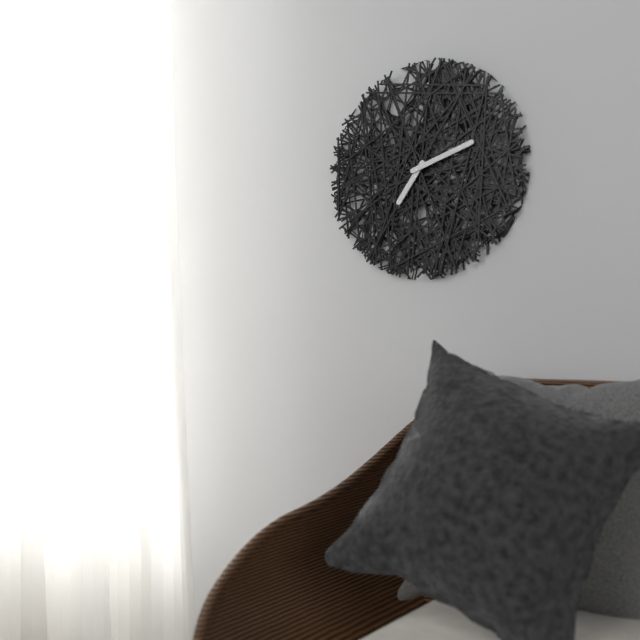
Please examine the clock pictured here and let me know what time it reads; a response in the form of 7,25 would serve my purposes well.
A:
7,12
